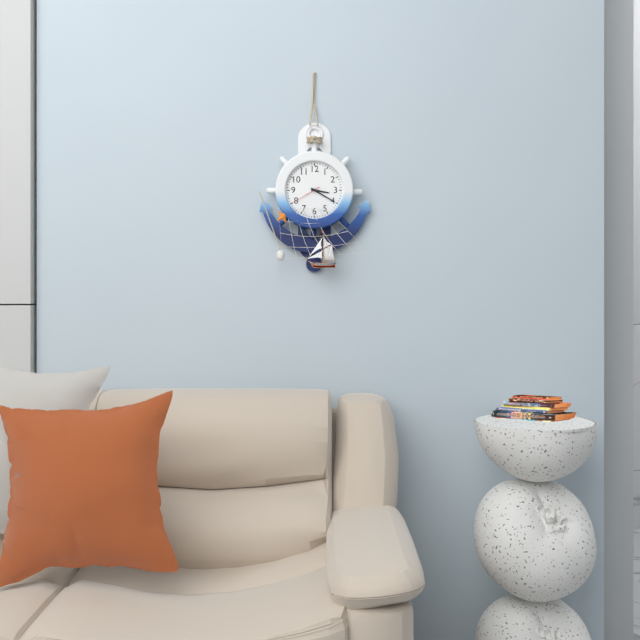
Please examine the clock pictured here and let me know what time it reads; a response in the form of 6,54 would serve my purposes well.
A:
3,20
